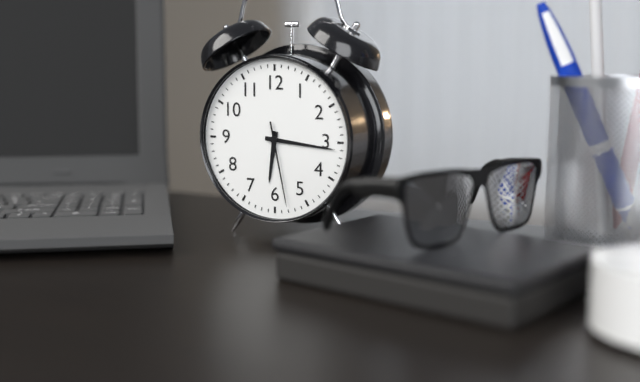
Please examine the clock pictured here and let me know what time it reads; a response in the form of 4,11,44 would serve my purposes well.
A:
6,16,28
